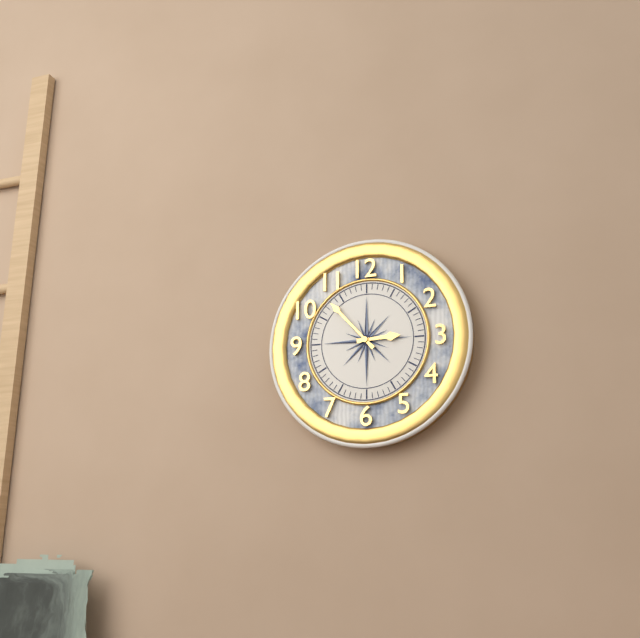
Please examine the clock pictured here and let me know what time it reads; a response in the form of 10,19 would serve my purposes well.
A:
2,53
